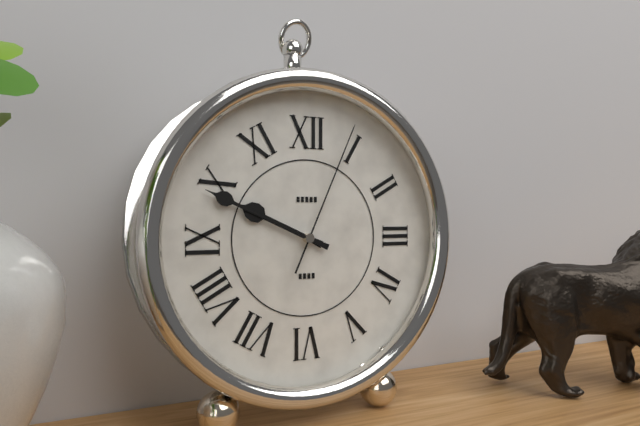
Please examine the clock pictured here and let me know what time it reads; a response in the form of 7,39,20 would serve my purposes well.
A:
9,49,04
